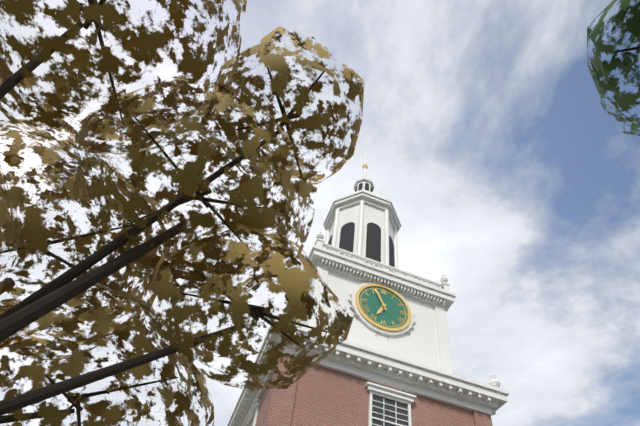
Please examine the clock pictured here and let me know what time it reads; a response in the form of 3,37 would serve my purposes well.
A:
6,56
